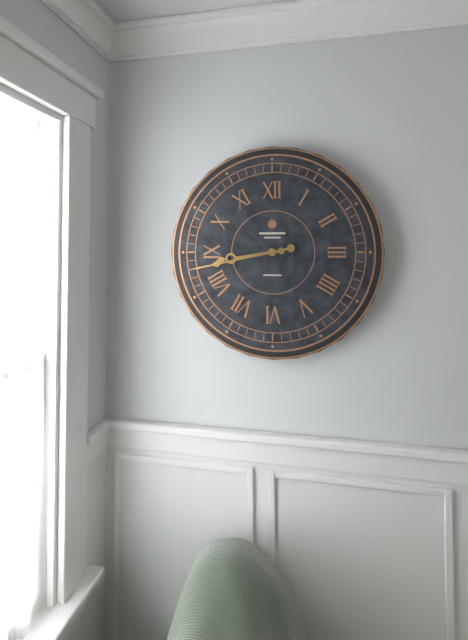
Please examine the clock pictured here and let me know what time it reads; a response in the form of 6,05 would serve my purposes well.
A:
8,43
